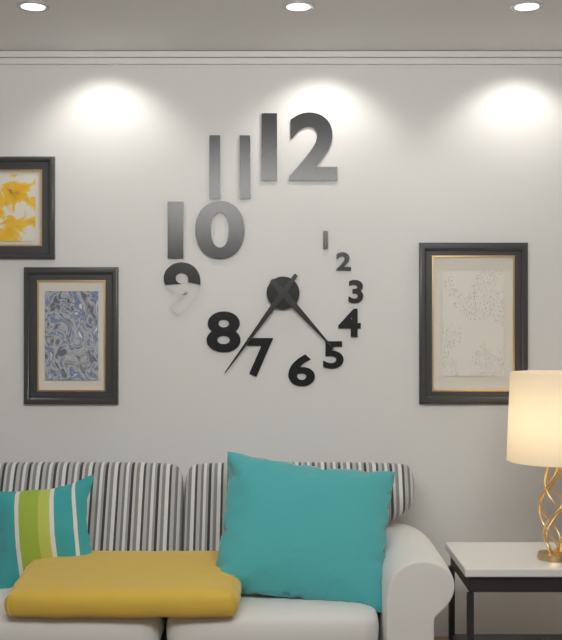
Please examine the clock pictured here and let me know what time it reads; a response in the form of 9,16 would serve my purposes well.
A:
4,36
